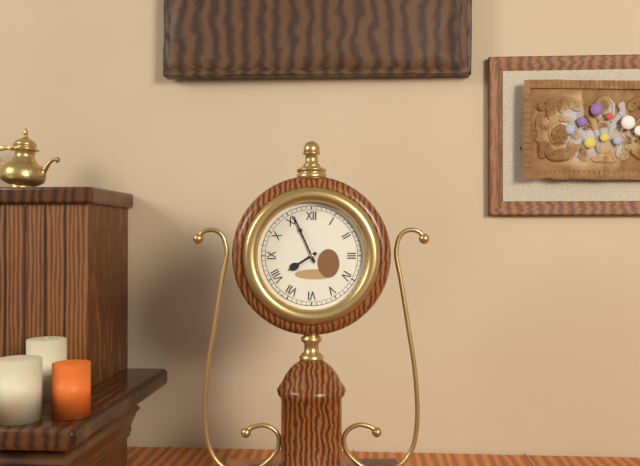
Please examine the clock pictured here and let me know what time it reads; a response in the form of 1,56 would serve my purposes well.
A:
7,56
